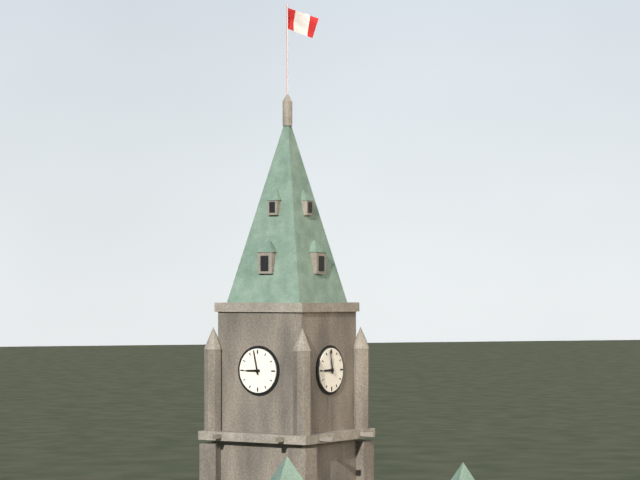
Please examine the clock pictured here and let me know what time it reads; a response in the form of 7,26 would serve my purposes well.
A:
8,58
